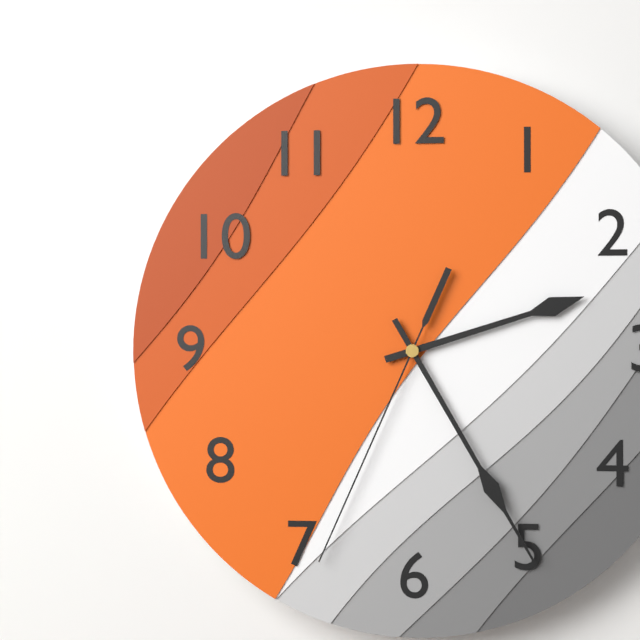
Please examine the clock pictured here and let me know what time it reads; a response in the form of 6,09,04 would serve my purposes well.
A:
2,25,34
